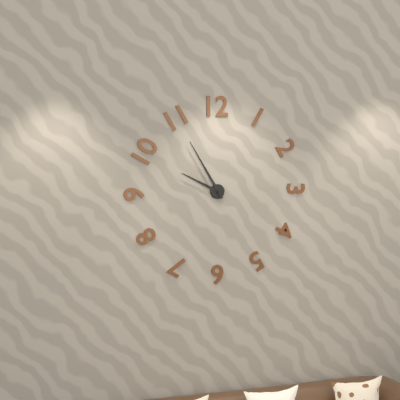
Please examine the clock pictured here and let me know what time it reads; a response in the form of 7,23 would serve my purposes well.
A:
9,55
